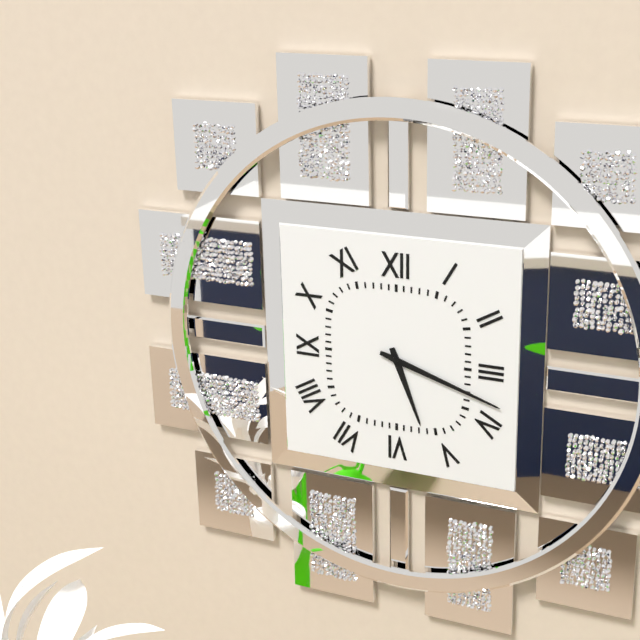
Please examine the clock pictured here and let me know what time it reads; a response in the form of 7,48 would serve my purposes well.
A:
5,18
